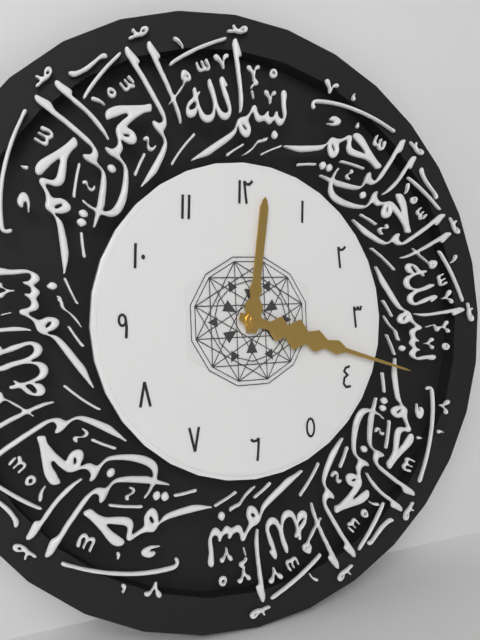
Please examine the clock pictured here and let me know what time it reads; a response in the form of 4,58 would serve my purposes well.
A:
12,18
